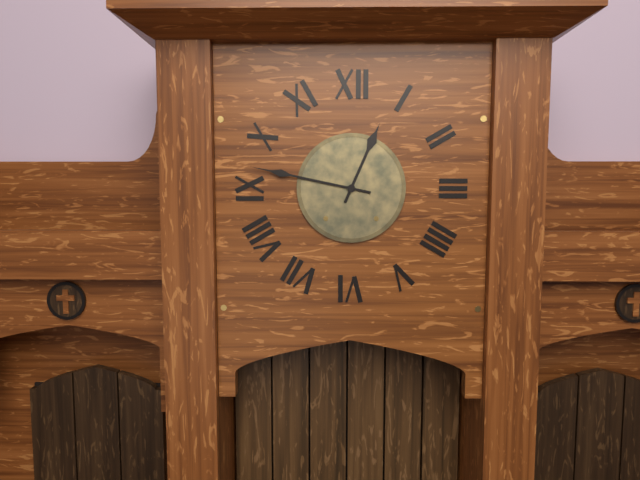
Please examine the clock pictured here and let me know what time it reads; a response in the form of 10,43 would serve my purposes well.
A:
12,47
